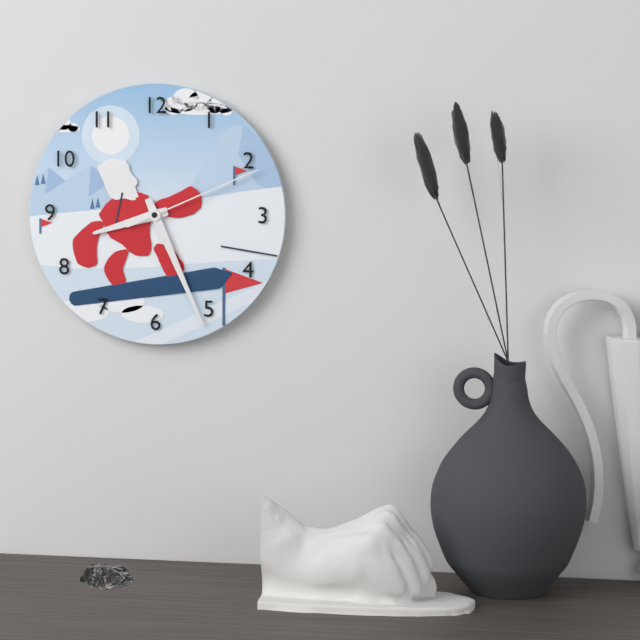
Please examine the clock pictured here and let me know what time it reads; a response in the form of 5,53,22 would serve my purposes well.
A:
8,26,11
